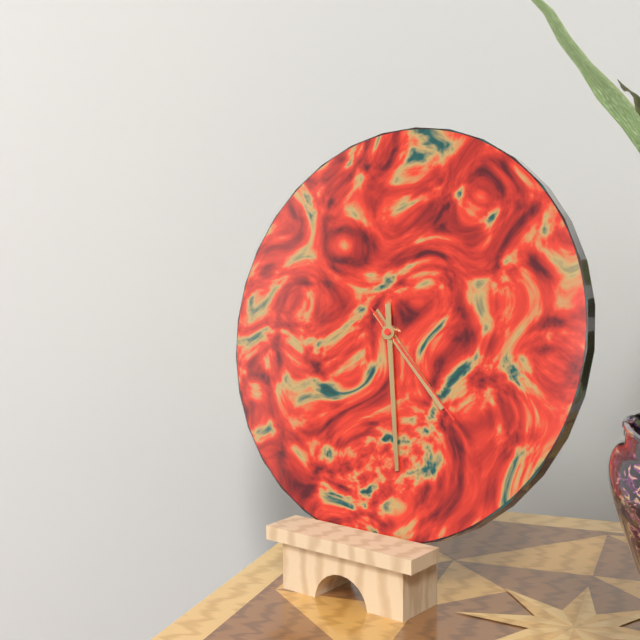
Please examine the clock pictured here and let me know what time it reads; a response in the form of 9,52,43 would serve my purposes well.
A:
4,28,22
